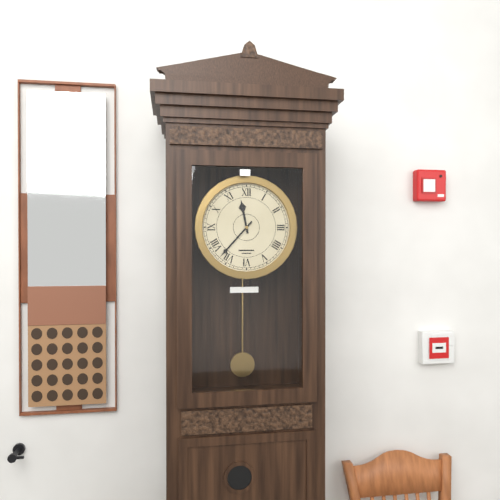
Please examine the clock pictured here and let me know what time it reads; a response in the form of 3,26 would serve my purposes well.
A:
11,37
